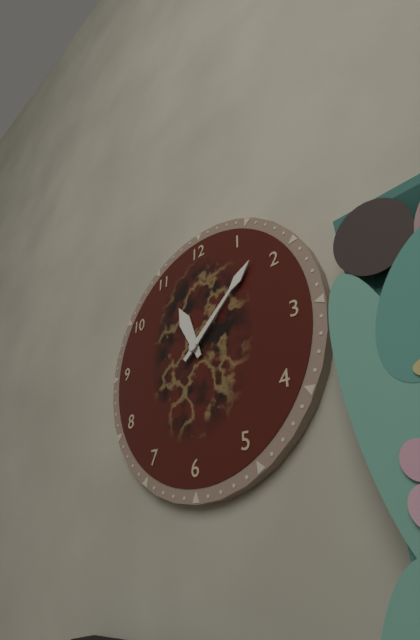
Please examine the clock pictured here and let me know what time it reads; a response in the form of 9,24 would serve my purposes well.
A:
11,08
